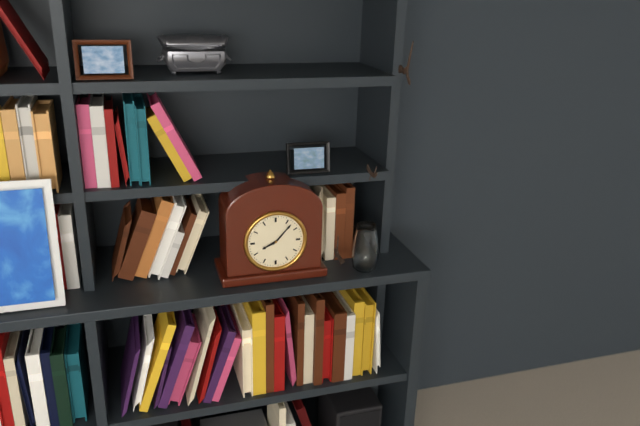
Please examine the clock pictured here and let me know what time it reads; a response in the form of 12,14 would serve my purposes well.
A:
8,07
